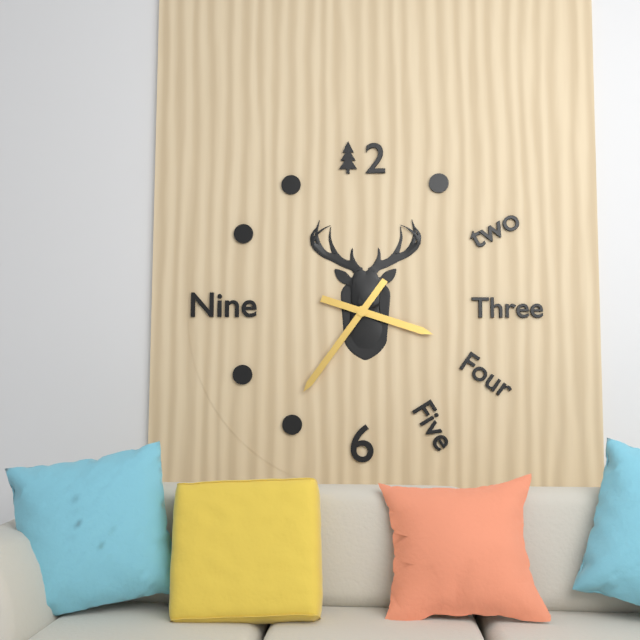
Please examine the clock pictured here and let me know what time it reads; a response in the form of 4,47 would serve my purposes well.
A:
3,36
